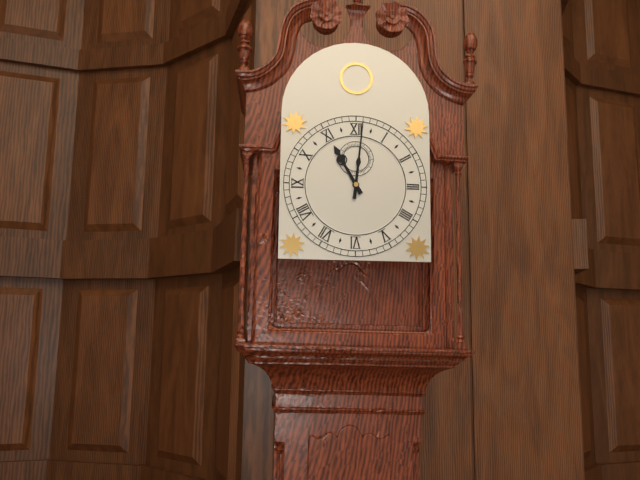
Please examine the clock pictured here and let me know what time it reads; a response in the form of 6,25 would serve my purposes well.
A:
11,01
